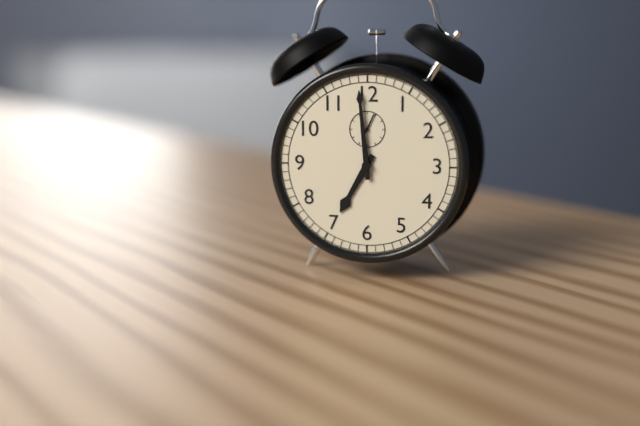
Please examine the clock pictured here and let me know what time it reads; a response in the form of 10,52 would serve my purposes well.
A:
6,59
